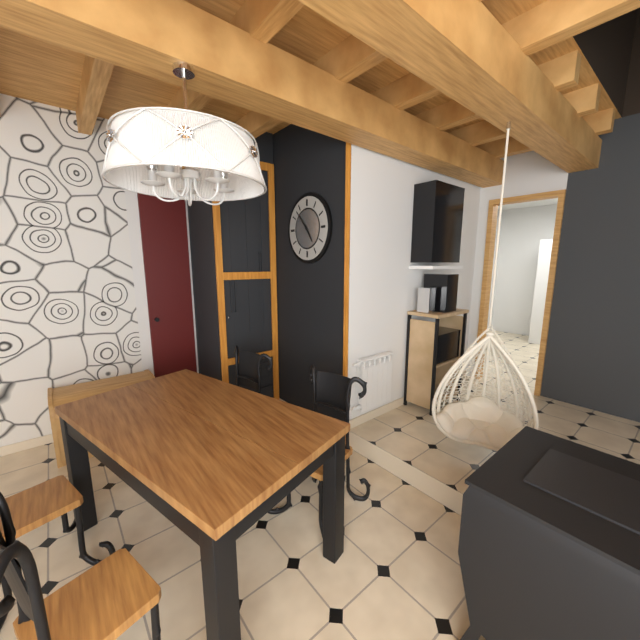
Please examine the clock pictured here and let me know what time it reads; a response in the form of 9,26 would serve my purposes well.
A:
4,53
